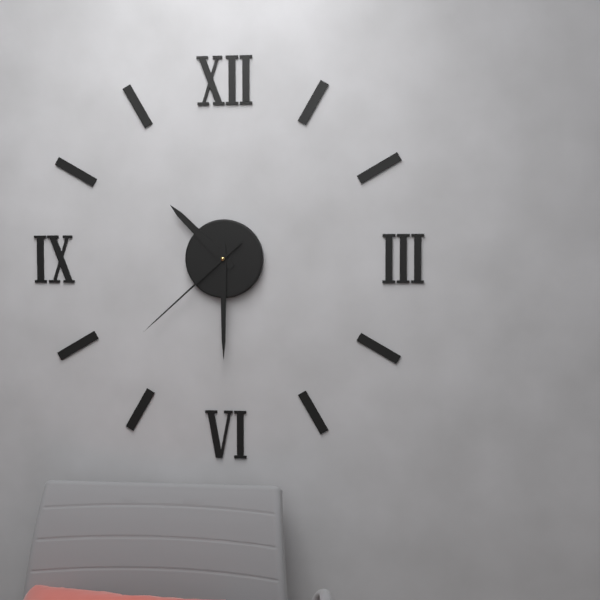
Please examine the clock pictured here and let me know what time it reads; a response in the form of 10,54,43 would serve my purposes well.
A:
10,30,38
